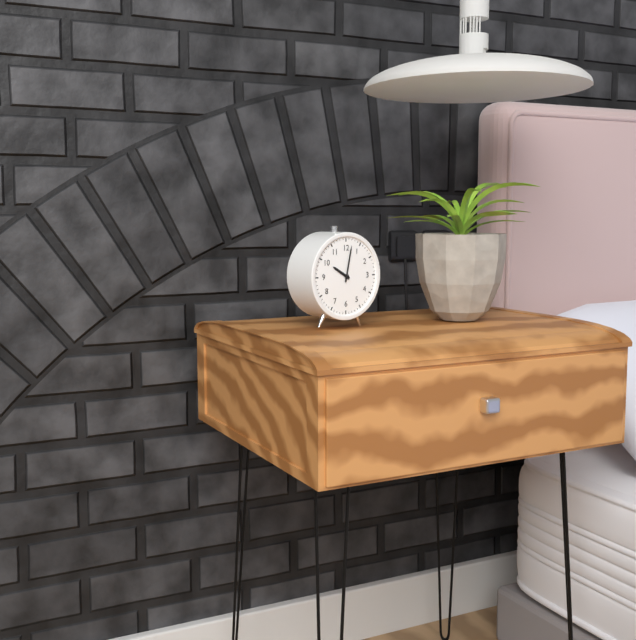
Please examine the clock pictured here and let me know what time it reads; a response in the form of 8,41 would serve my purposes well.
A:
10,02
